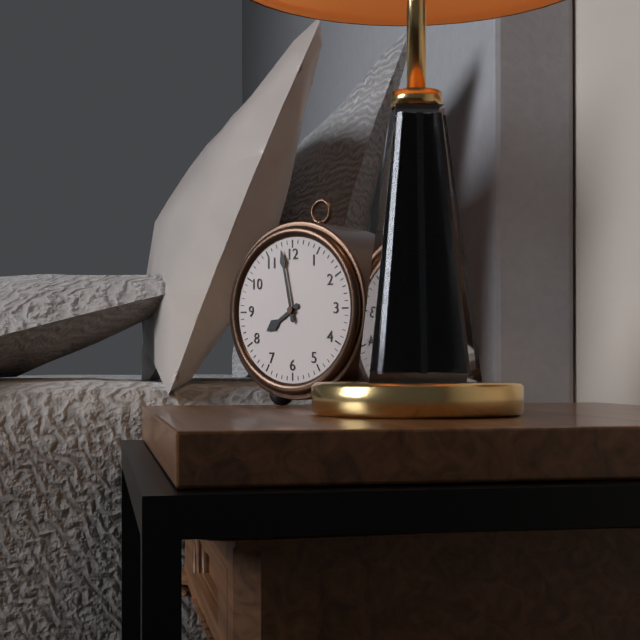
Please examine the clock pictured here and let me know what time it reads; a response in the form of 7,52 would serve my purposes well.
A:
7,58
